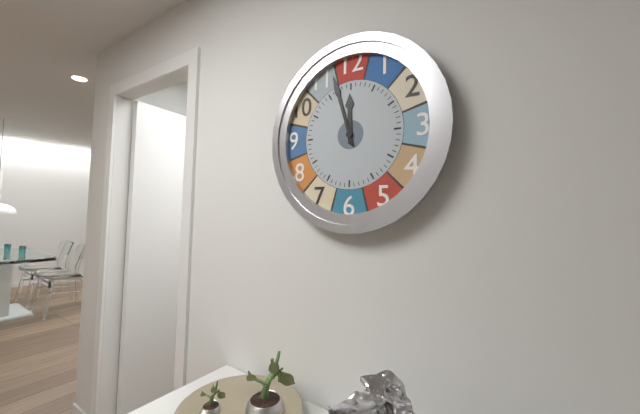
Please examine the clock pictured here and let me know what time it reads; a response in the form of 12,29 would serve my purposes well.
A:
11,57
